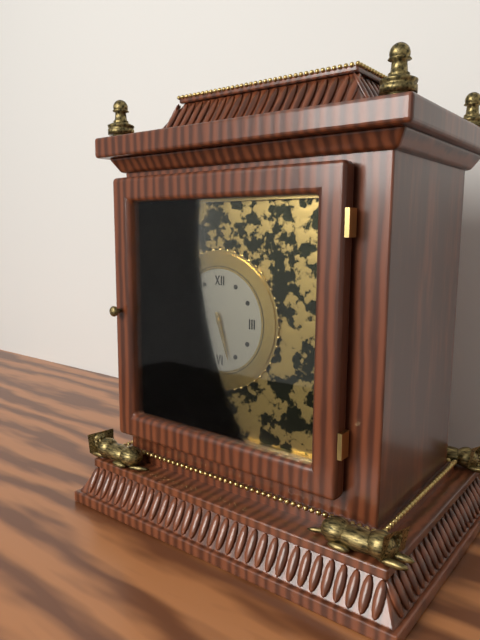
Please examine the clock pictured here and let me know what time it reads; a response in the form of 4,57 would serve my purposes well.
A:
5,27
